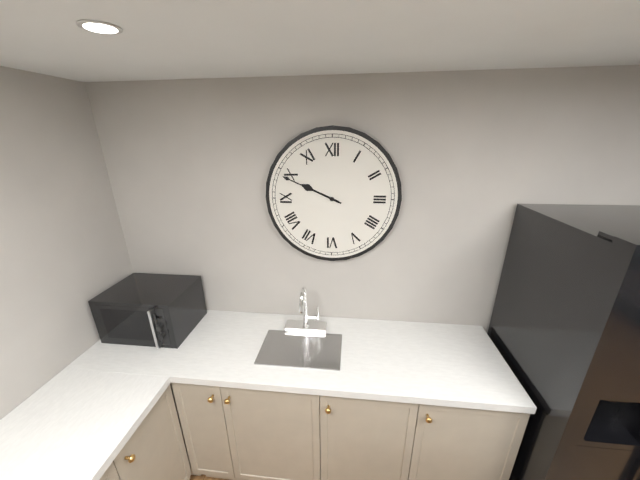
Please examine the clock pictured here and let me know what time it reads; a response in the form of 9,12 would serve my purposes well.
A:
9,49
